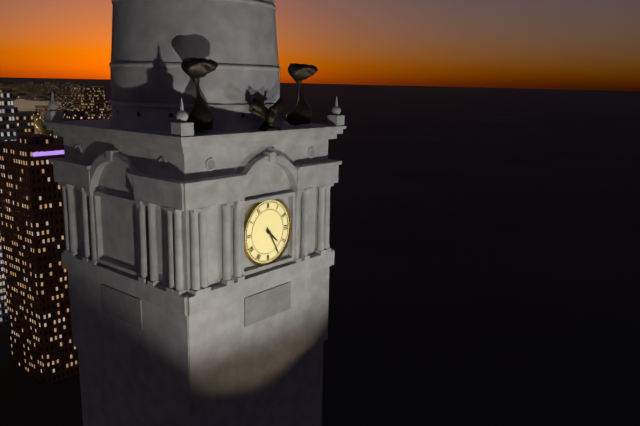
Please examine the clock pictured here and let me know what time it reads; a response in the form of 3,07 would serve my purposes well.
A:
4,25
